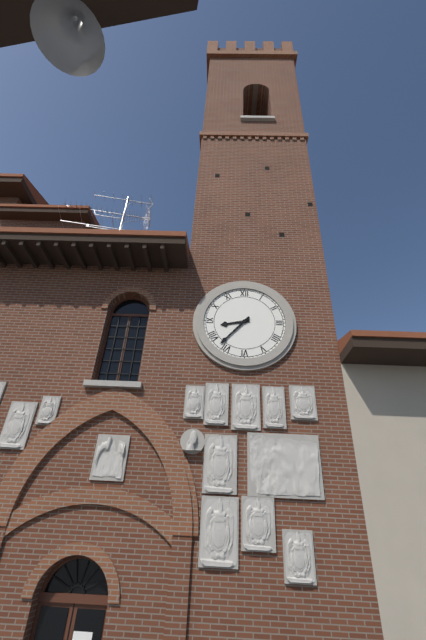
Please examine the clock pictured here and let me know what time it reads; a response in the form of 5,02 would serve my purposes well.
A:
8,37
